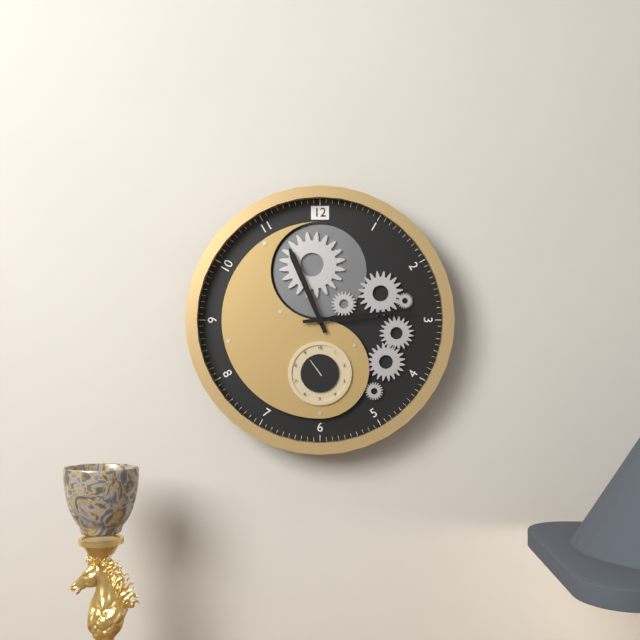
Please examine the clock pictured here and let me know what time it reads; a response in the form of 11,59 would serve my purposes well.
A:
11,14
